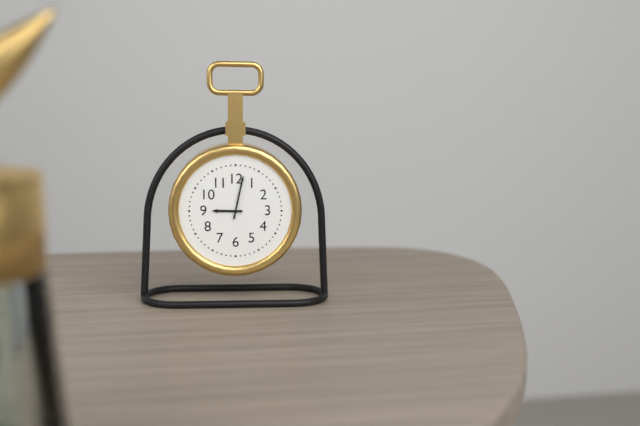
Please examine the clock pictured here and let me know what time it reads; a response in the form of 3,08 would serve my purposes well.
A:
9,02
